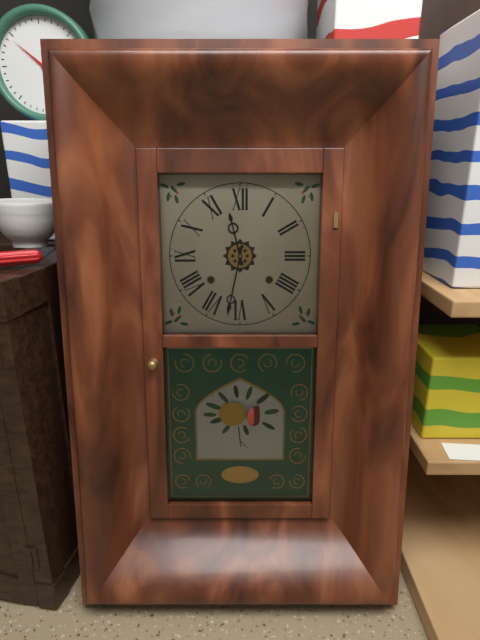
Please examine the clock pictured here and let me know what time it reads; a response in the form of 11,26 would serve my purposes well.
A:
11,32
